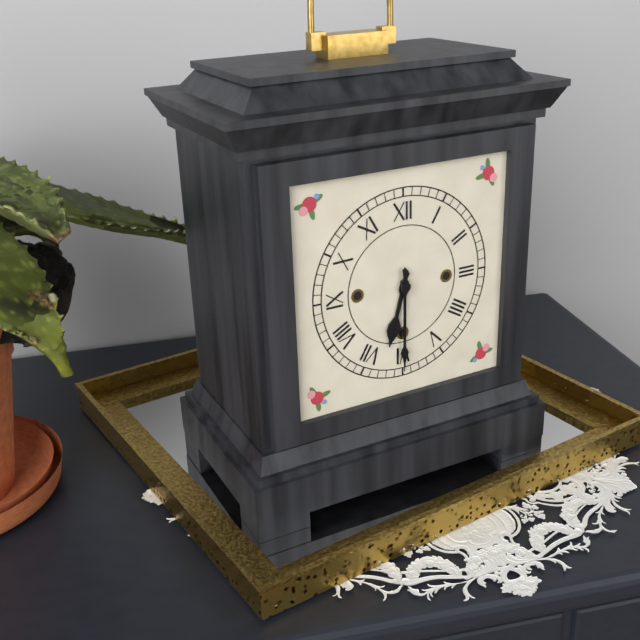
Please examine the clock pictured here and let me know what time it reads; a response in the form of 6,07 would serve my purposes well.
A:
6,30
